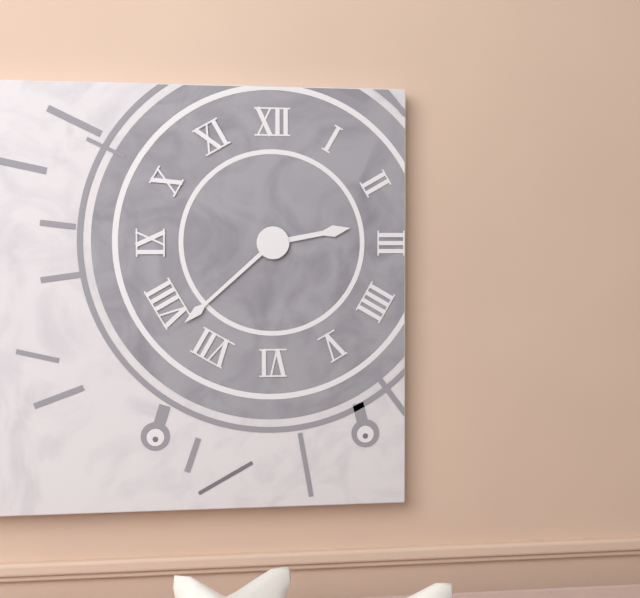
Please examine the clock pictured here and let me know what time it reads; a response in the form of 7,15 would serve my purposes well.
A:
2,38
